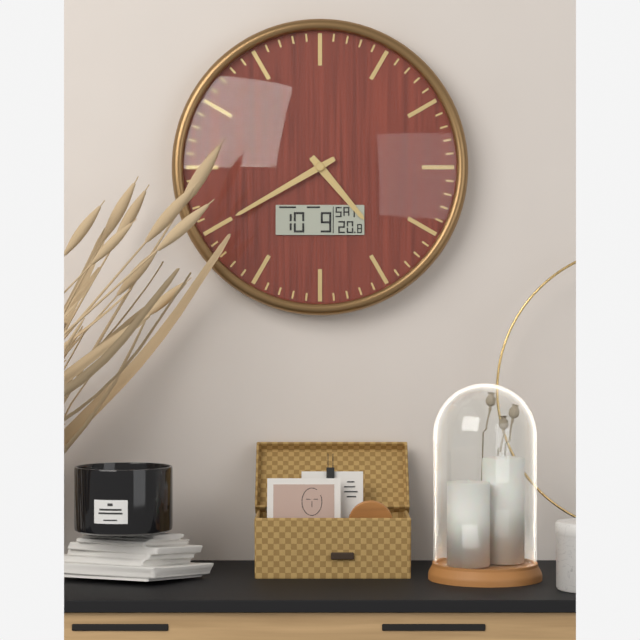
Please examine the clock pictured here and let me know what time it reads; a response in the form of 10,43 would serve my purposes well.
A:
4,40
